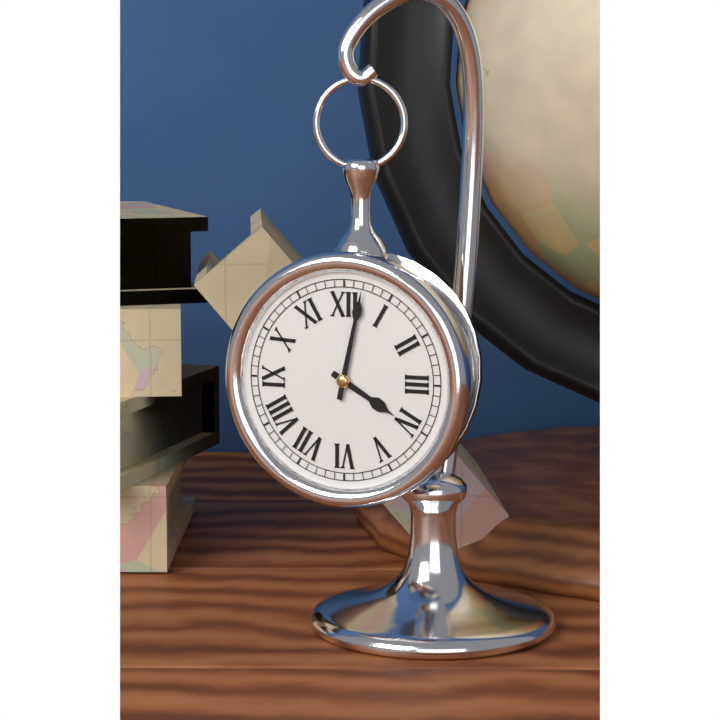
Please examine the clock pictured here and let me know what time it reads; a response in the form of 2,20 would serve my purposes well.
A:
4,02
